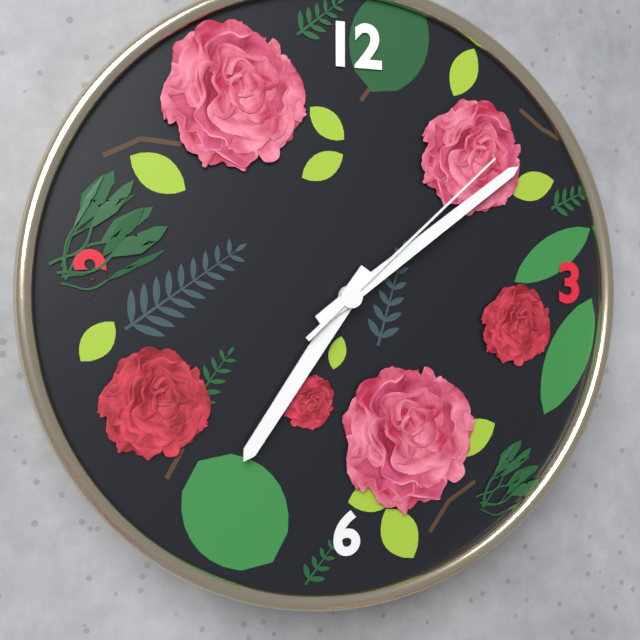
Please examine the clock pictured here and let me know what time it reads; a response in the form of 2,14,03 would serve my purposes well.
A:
7,09,08
